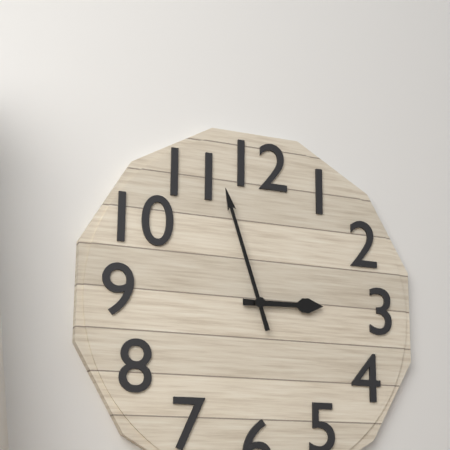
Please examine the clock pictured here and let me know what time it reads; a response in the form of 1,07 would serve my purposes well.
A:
2,57
